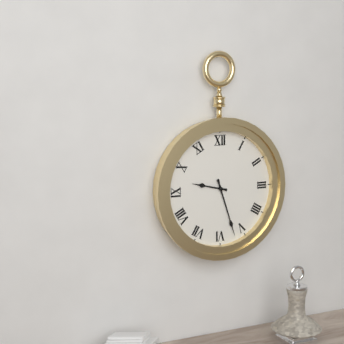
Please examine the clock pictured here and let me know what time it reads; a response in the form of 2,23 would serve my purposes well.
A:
9,27
